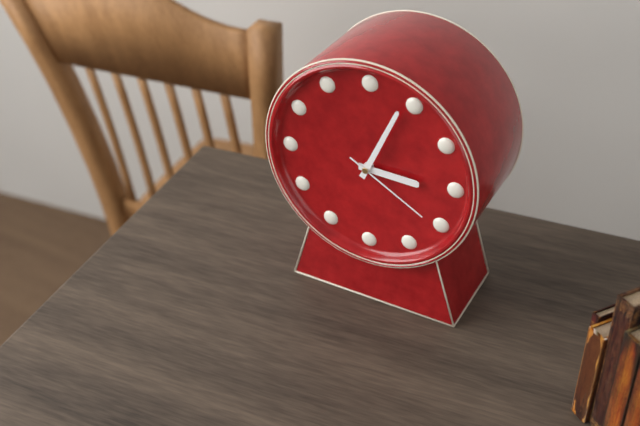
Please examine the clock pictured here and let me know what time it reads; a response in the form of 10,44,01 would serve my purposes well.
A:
3,04,20
